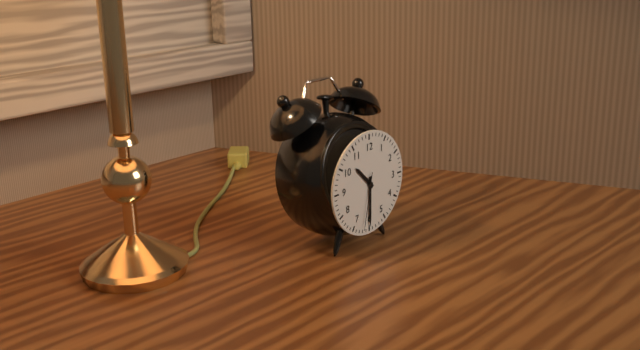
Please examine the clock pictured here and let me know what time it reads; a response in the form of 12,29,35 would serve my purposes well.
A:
10,30,32
